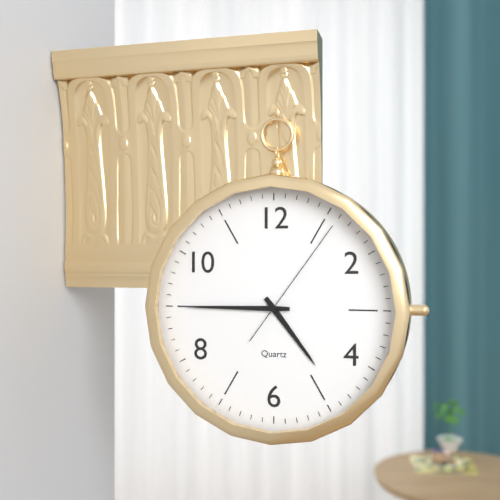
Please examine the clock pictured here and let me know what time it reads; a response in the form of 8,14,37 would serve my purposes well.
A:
4,45,06
